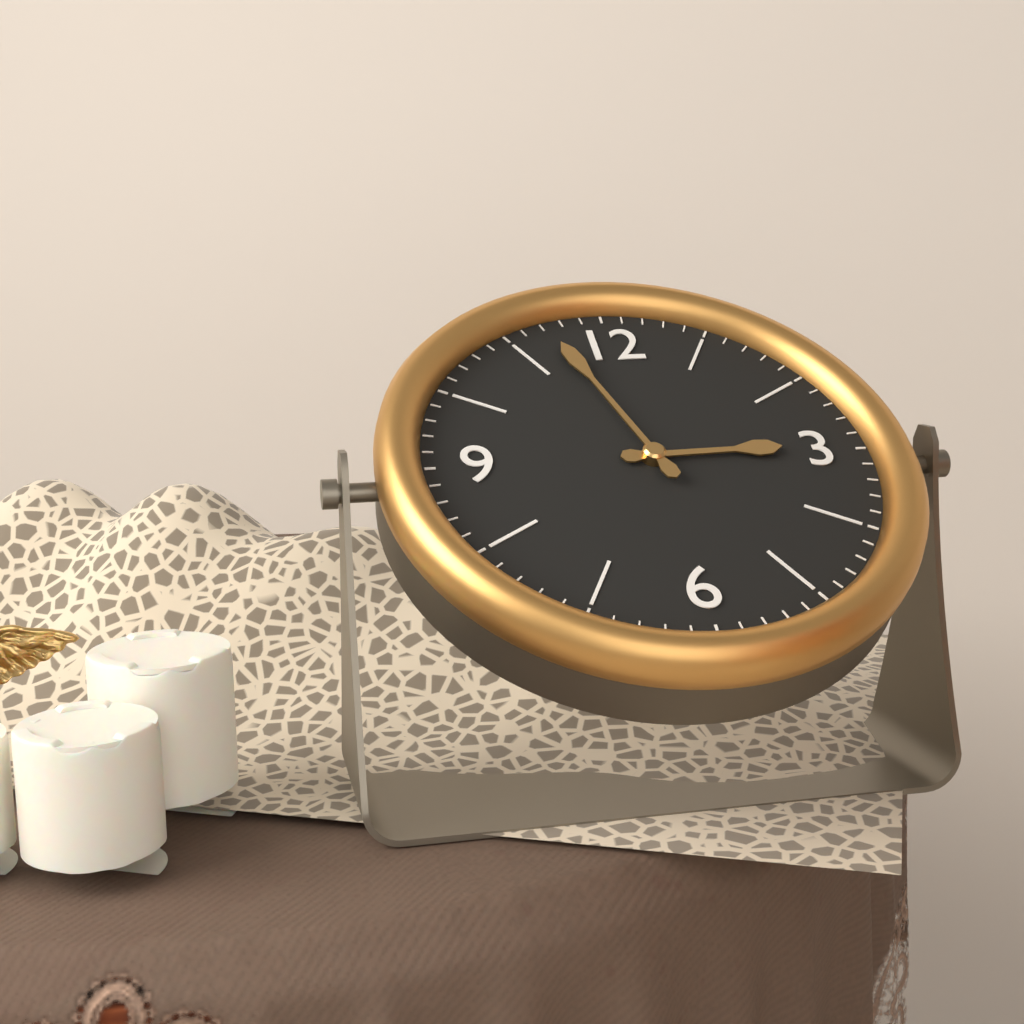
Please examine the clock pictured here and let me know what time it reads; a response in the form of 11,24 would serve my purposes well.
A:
2,57
